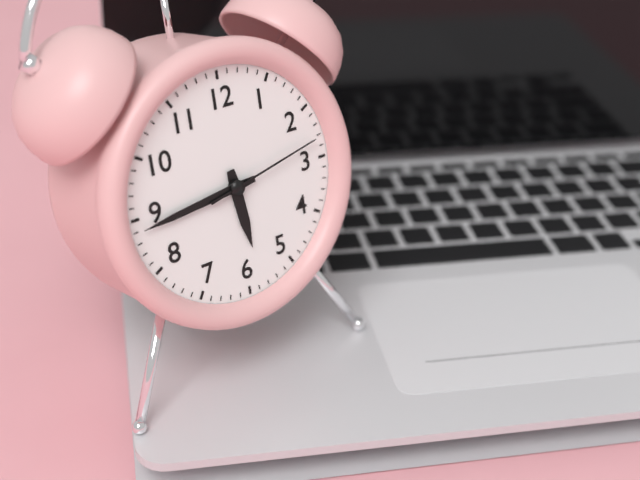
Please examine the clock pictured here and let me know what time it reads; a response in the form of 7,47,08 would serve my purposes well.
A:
5,44,13
